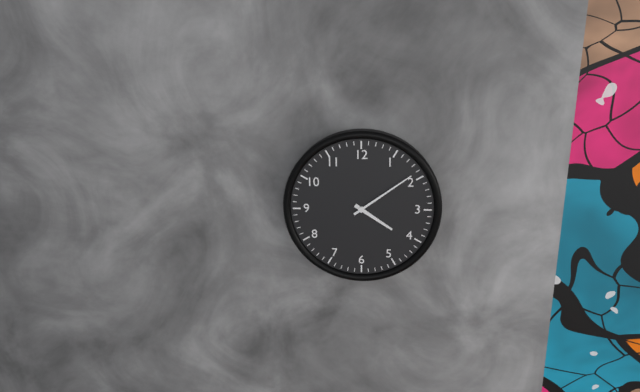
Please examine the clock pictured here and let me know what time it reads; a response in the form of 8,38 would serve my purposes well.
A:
4,09
